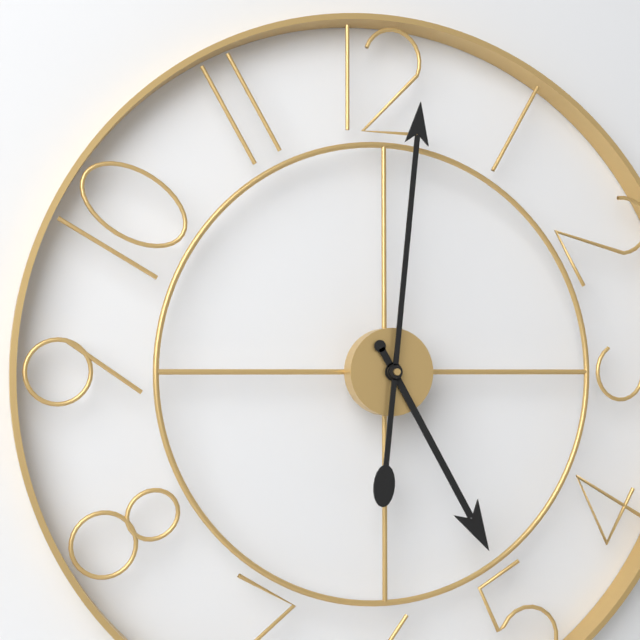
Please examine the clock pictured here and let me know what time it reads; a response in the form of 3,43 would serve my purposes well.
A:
5,01
